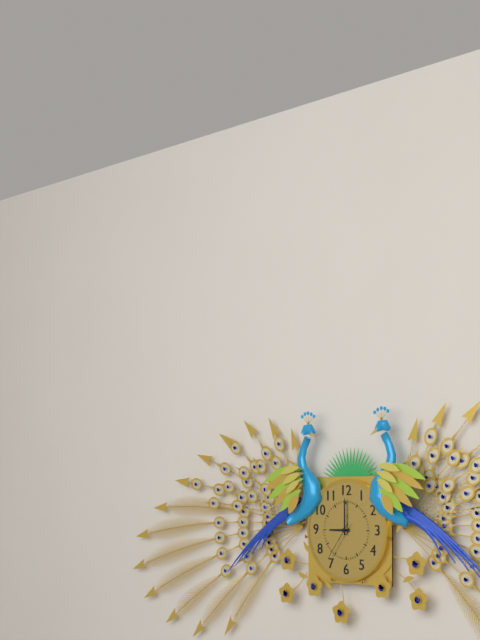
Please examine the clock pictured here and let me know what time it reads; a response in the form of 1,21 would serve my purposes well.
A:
9,00
